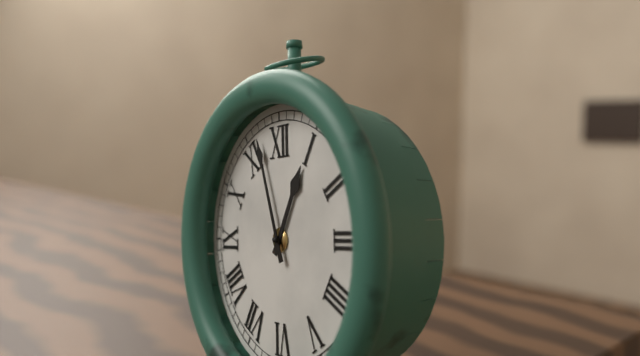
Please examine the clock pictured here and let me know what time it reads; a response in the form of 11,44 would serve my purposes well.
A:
12,57
